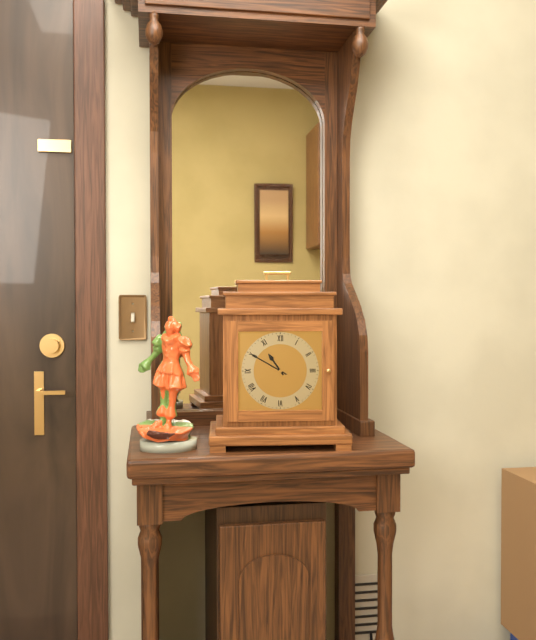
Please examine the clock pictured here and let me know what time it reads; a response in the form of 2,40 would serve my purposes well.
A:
10,50
